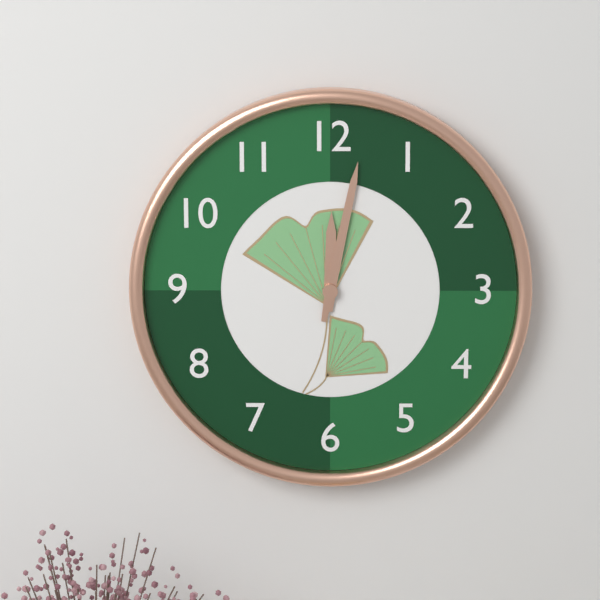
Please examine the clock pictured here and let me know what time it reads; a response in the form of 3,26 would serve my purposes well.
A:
12,02
